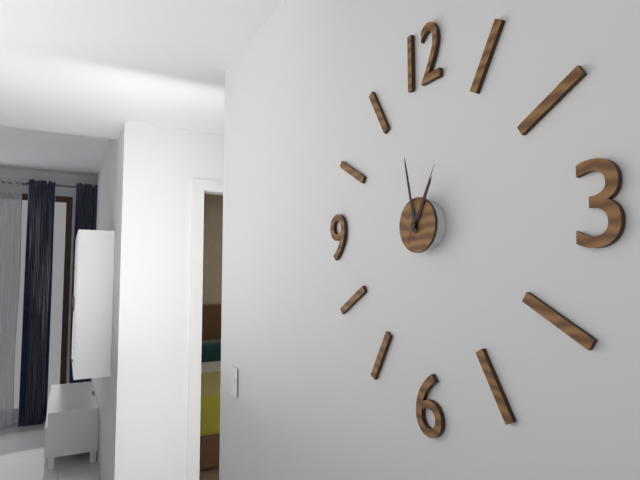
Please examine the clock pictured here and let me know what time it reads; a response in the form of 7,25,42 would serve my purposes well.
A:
12,58,05
